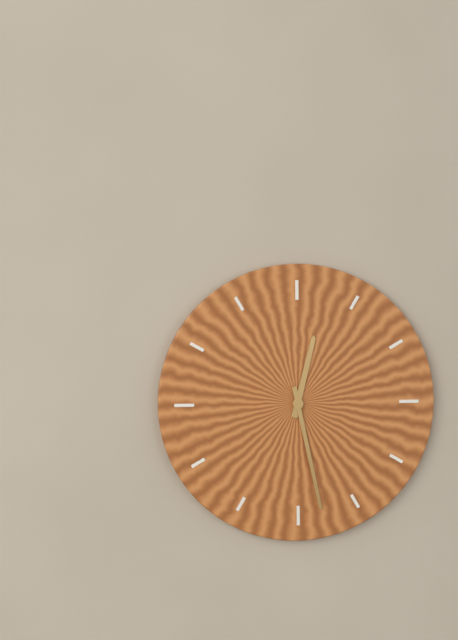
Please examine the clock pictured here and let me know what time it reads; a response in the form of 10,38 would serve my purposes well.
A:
12,28
